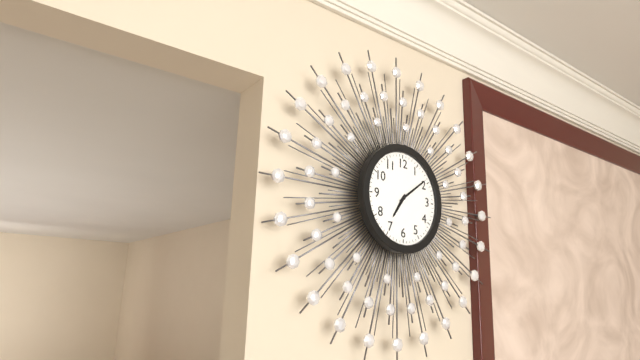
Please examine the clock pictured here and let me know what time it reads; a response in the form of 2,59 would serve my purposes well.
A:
7,09
